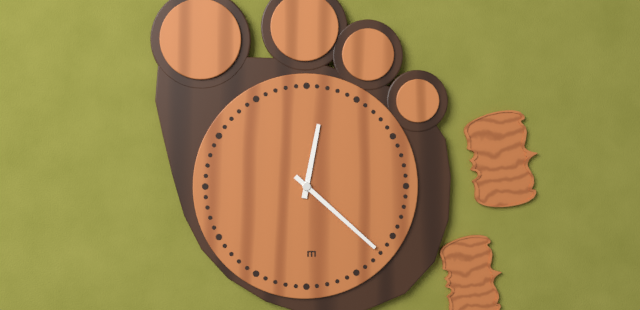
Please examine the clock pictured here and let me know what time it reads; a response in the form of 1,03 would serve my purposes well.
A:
12,22
